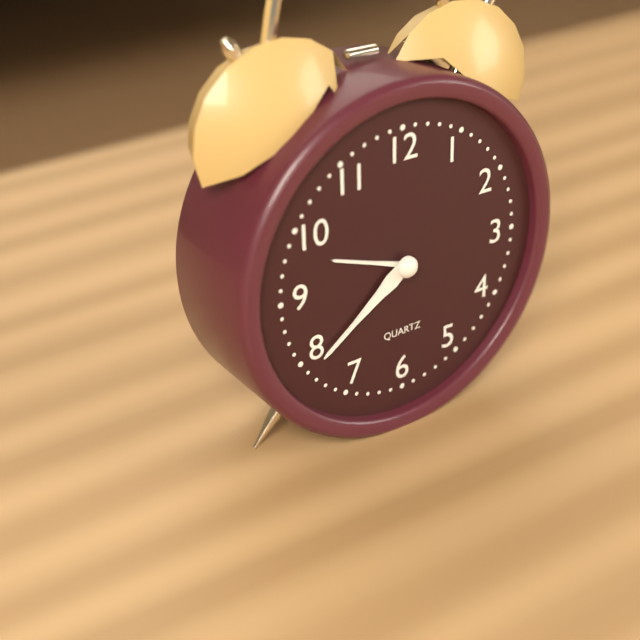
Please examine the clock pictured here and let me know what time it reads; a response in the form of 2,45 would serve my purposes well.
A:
9,39
